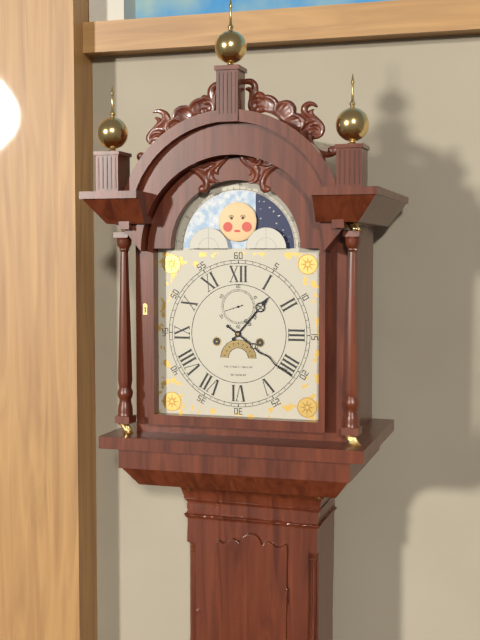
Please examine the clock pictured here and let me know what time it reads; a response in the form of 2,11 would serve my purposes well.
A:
1,21
